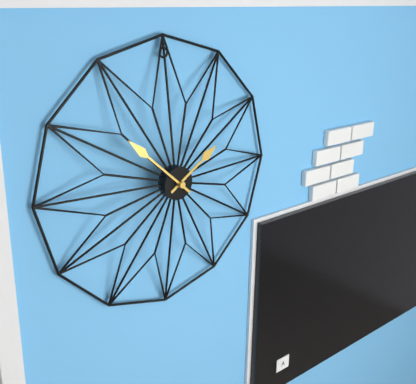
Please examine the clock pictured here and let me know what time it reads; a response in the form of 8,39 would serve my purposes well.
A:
1,52
